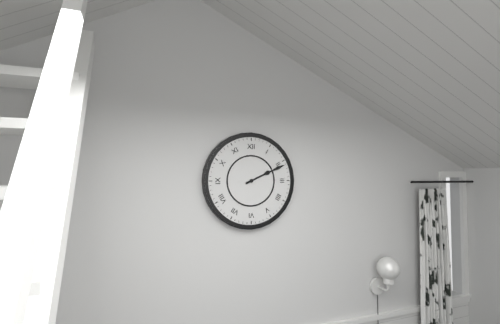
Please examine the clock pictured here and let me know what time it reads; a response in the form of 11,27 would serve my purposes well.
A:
2,11
